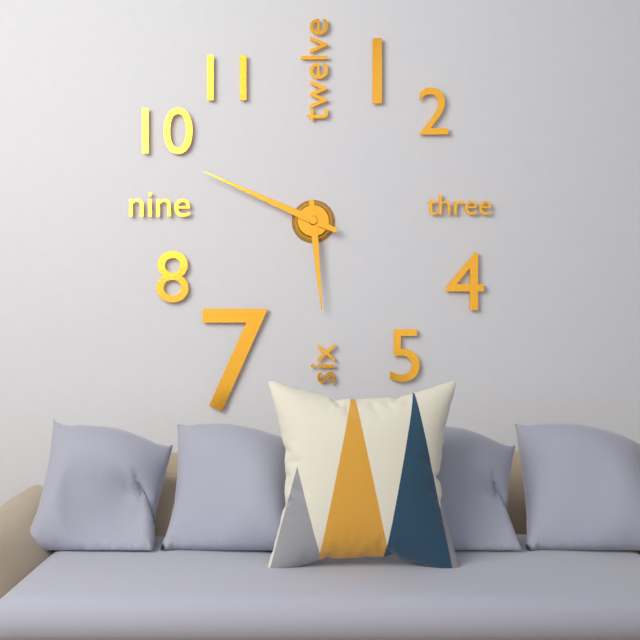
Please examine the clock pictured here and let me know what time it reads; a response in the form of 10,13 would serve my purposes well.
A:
5,49
